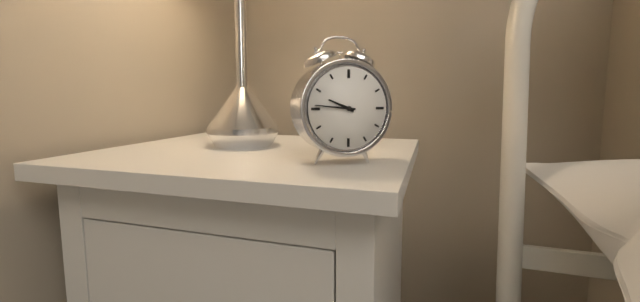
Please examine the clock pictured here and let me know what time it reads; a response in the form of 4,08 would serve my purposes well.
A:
9,46
